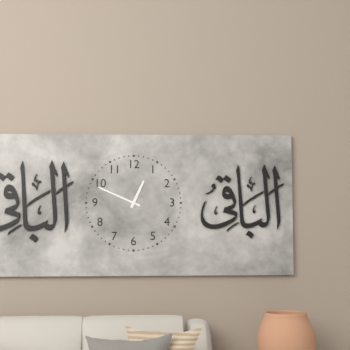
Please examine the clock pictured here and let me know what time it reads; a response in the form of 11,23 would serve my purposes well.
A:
12,49
